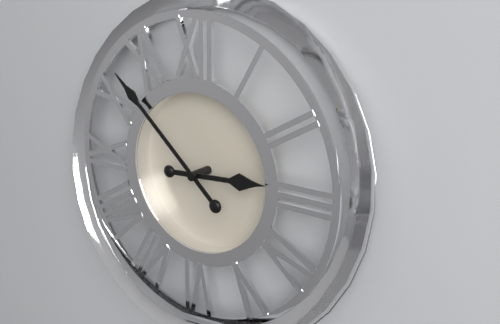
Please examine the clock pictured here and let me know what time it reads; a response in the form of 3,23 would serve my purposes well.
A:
2,52
